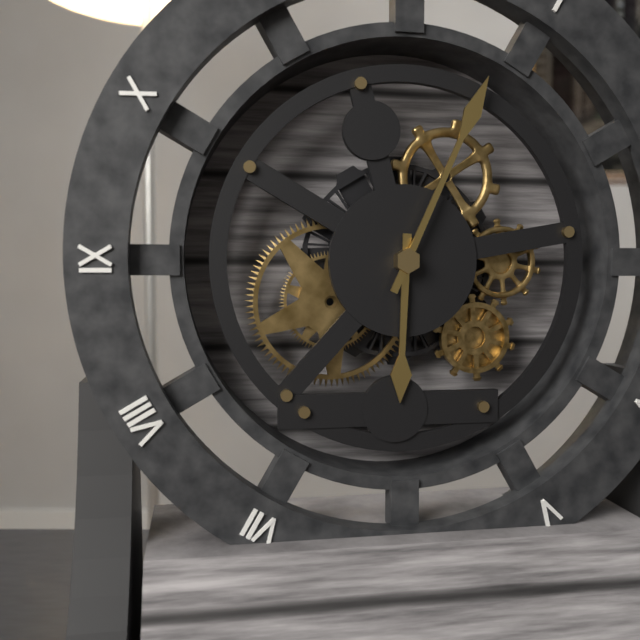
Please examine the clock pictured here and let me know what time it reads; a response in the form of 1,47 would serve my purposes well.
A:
6,04
